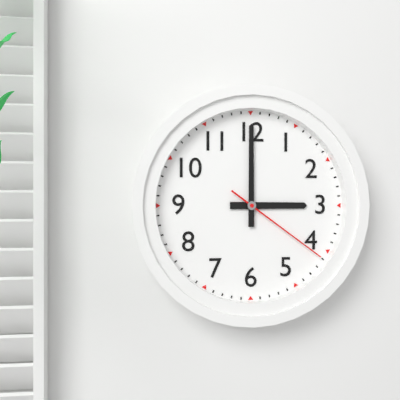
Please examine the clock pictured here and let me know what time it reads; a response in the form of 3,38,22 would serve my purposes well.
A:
3,00,21
